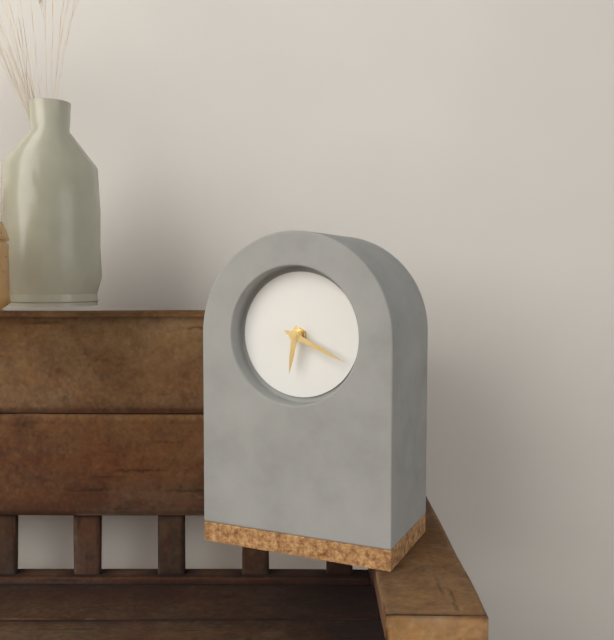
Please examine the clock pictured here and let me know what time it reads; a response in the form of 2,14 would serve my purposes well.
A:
6,19
